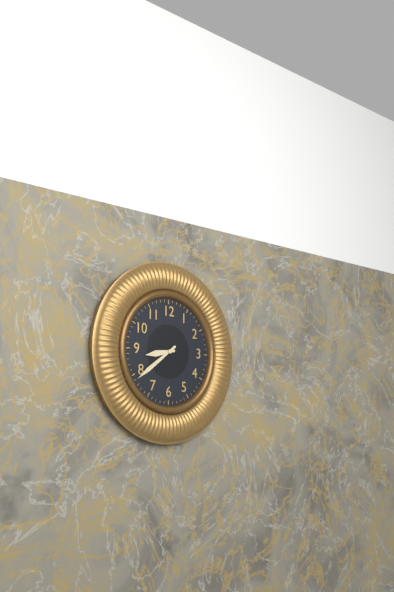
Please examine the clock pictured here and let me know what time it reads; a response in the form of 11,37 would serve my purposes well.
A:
8,39
